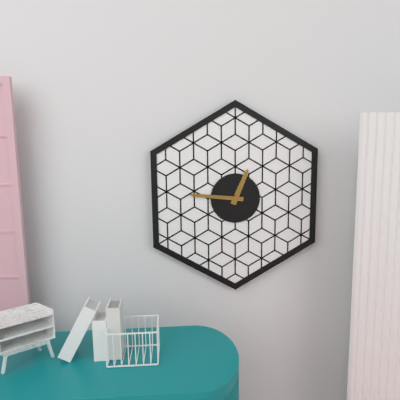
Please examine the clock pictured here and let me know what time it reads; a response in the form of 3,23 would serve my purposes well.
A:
12,46
